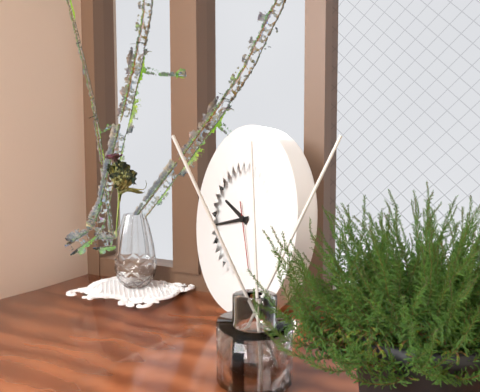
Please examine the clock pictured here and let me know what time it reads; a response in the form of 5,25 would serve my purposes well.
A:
9,43
